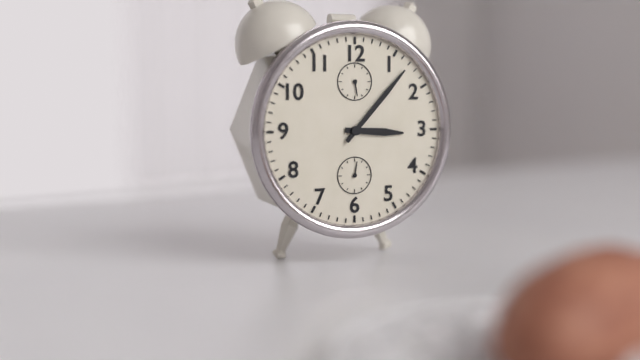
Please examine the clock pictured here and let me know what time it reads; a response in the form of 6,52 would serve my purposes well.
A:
3,07
